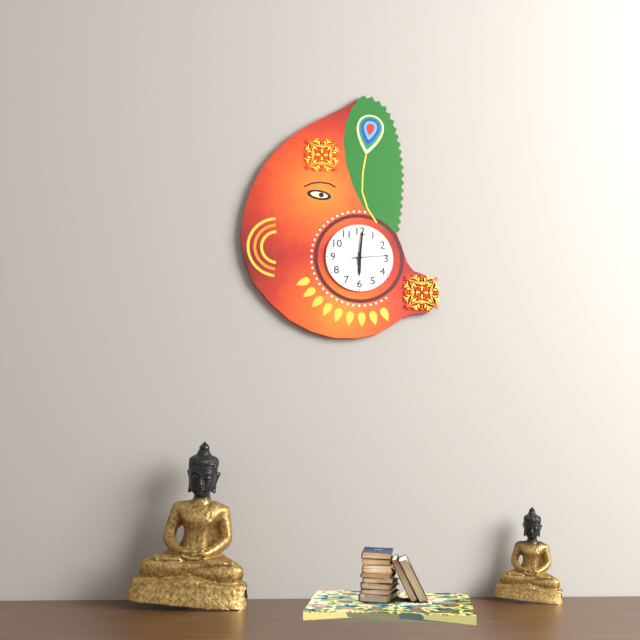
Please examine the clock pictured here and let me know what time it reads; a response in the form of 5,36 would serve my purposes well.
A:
6,01
